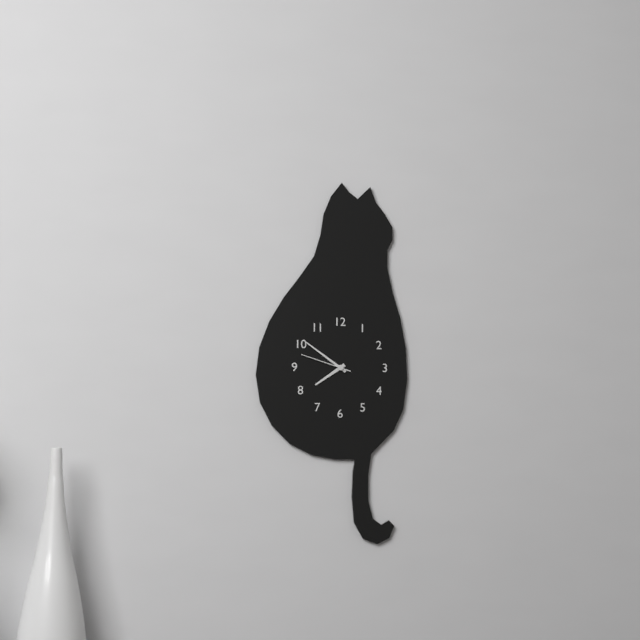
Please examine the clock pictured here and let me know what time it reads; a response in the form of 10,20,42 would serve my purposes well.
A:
7,51,48
